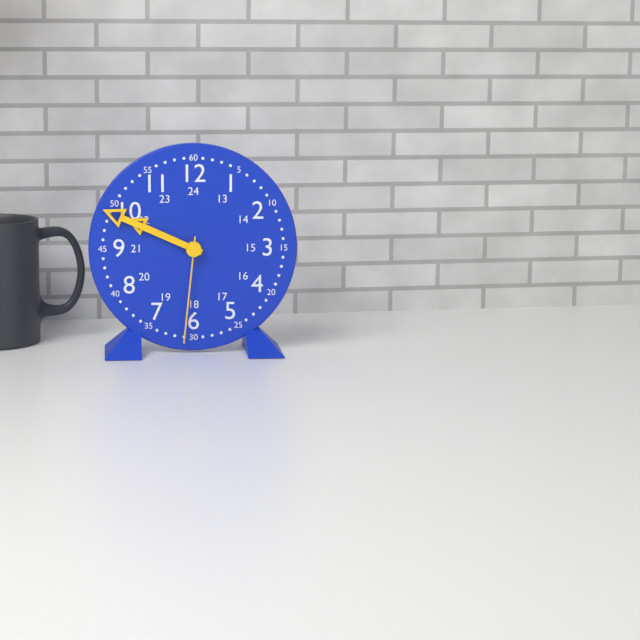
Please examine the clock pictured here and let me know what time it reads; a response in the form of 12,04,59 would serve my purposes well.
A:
9,49,31
